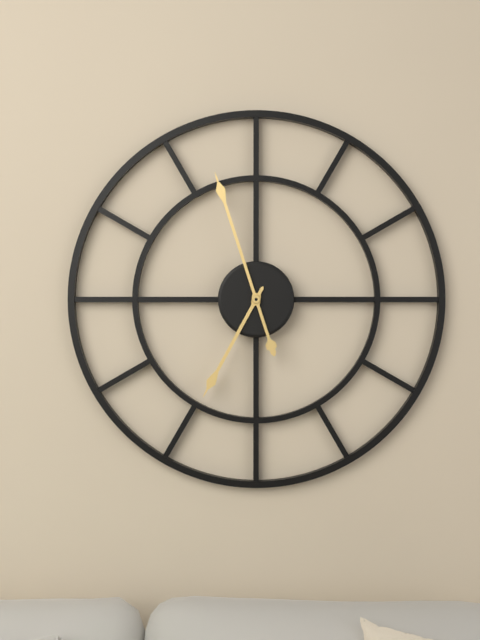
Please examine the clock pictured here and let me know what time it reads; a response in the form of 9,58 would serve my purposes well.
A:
6,57
